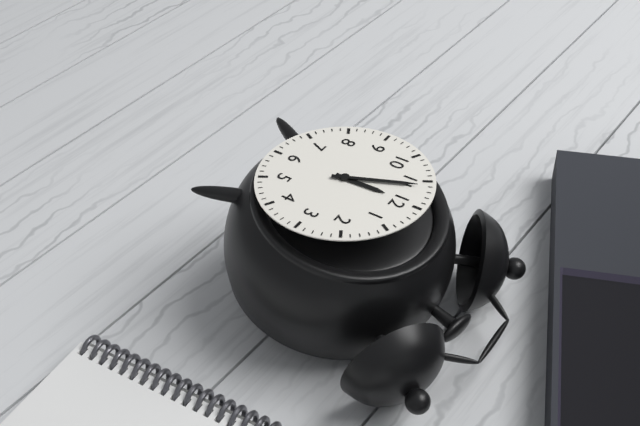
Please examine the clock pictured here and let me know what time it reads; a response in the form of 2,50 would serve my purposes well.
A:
11,56
